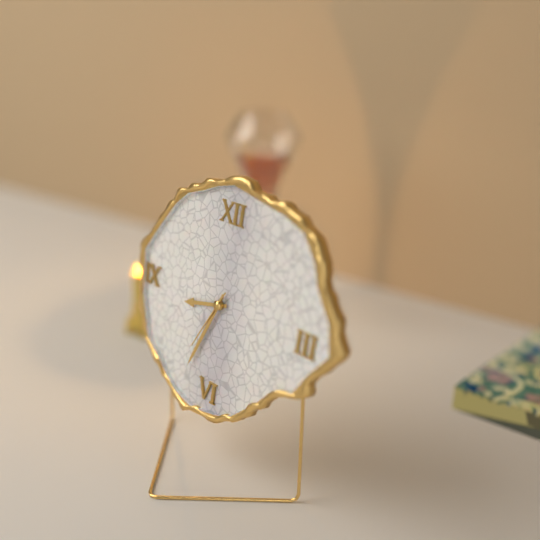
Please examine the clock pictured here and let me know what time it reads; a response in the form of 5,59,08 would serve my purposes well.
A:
8,34,35
